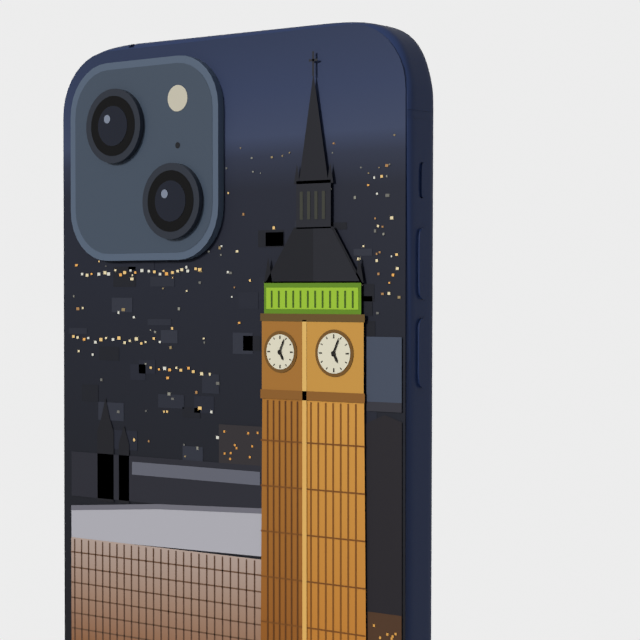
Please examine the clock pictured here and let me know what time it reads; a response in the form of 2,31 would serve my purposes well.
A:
5,04
